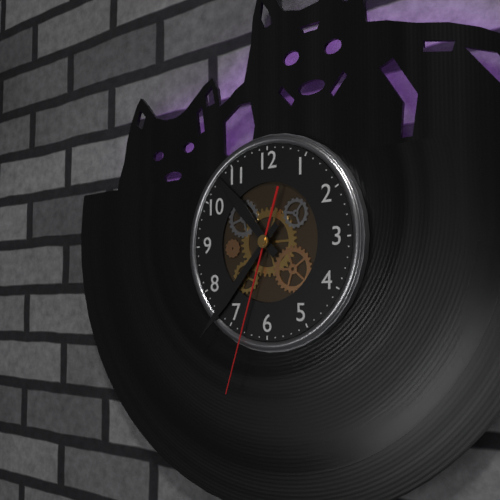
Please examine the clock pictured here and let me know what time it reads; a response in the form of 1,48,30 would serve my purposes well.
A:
10,37,33
